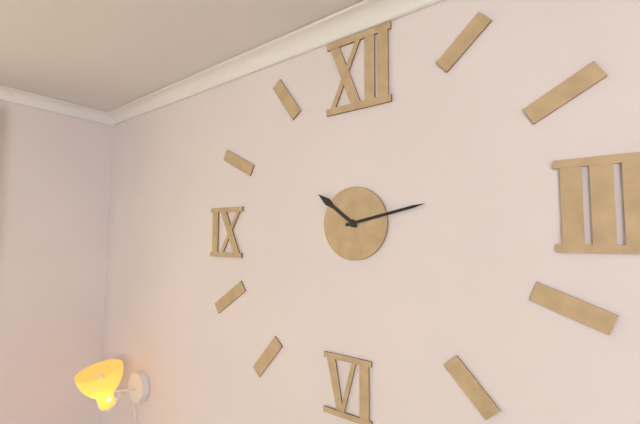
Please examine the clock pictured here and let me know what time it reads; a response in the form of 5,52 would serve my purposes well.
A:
10,13
